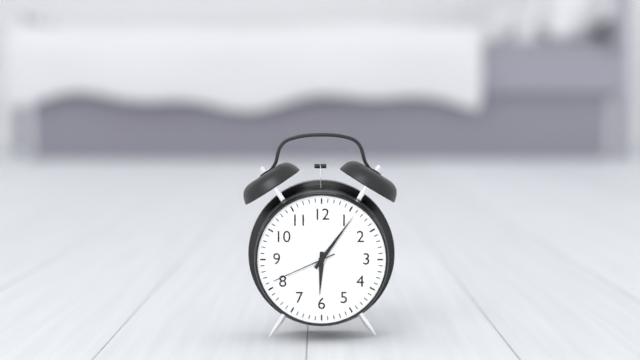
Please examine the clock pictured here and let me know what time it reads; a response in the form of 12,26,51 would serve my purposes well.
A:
6,06,41
